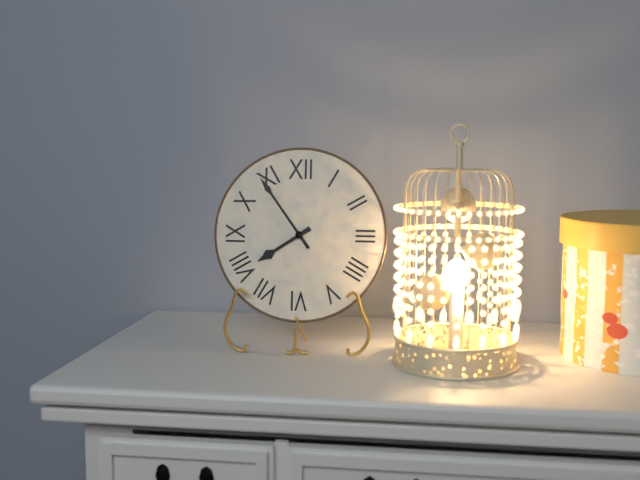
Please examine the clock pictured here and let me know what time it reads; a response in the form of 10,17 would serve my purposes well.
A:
7,54
